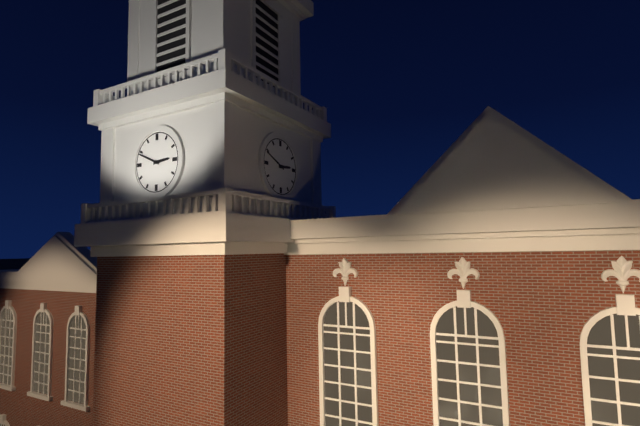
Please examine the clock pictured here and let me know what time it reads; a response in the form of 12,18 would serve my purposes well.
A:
2,49
